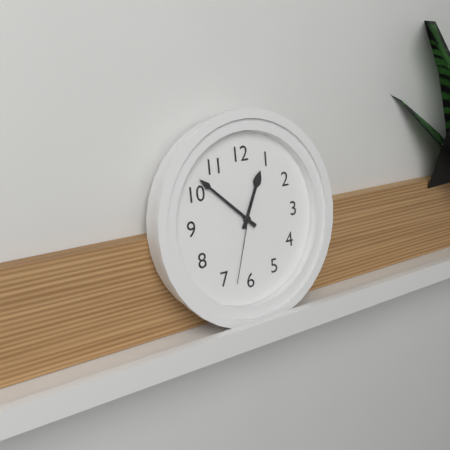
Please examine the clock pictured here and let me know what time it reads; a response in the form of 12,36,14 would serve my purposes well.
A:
12,52,33
